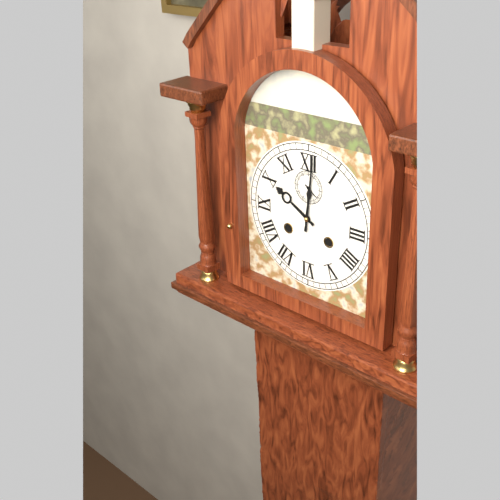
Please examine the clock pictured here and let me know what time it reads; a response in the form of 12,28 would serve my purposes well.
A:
10,01
